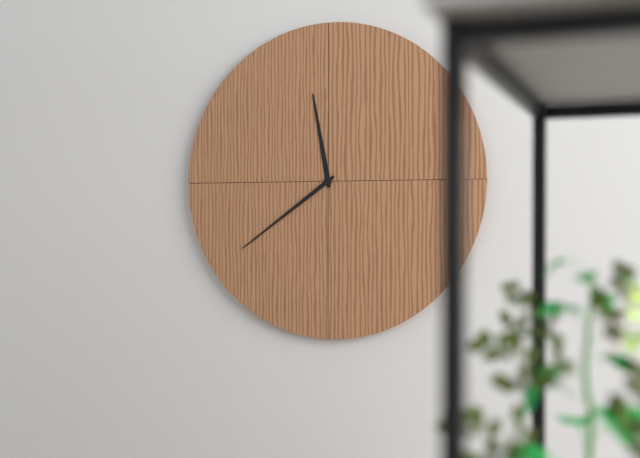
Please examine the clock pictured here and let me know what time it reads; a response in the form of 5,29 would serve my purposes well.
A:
11,39
